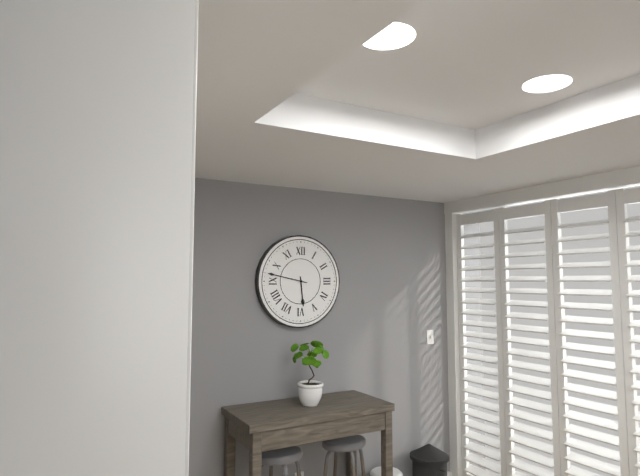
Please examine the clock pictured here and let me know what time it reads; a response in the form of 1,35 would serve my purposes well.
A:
5,47
